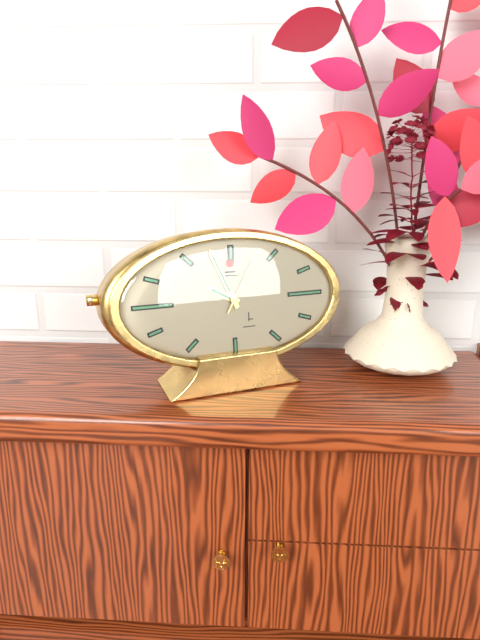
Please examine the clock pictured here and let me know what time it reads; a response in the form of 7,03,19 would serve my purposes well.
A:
9,56,05
